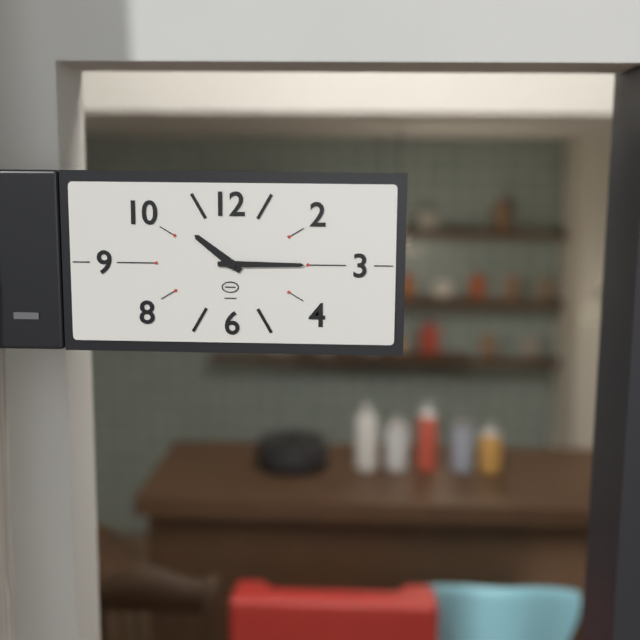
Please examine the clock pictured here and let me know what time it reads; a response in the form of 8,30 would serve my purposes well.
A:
10,15
